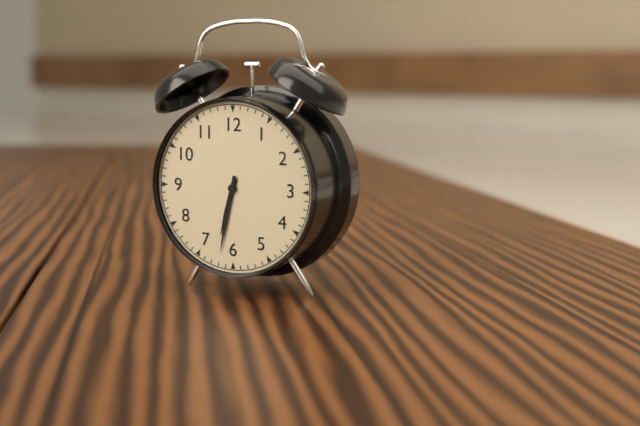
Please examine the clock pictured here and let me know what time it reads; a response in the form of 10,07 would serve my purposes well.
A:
6,32
